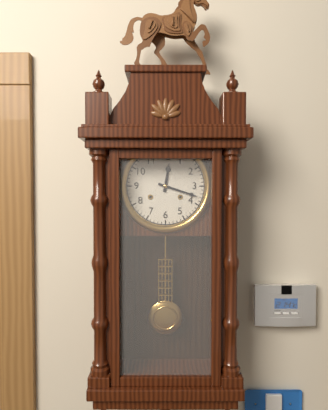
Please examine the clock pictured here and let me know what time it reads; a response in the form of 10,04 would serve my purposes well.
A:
12,18
